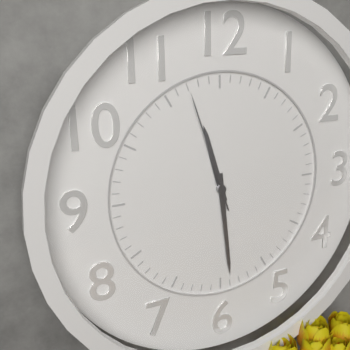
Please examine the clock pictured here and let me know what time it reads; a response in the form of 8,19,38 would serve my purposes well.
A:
11,29,57
